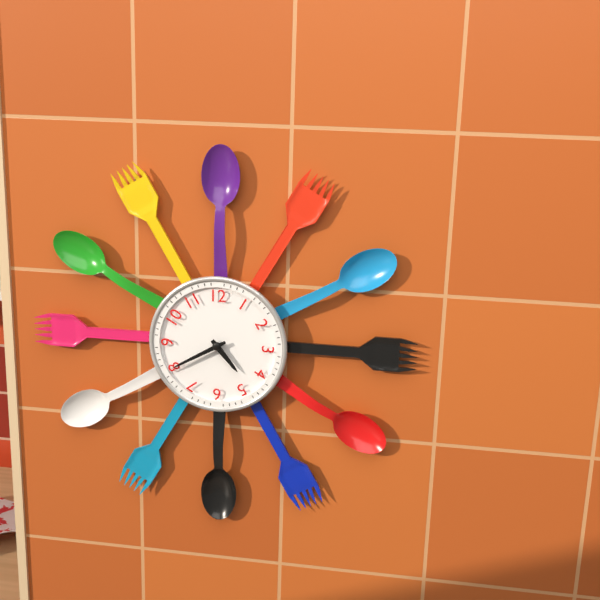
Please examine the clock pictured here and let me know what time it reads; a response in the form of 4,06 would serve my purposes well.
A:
4,40
